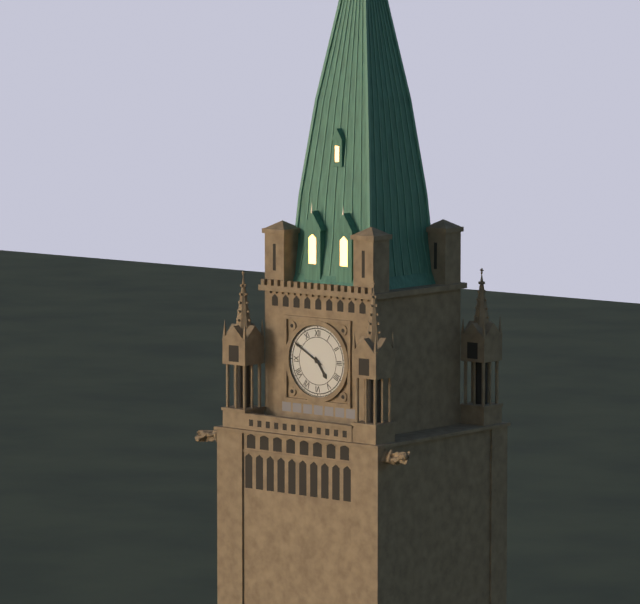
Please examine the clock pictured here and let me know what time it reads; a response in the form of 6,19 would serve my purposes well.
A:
4,50
